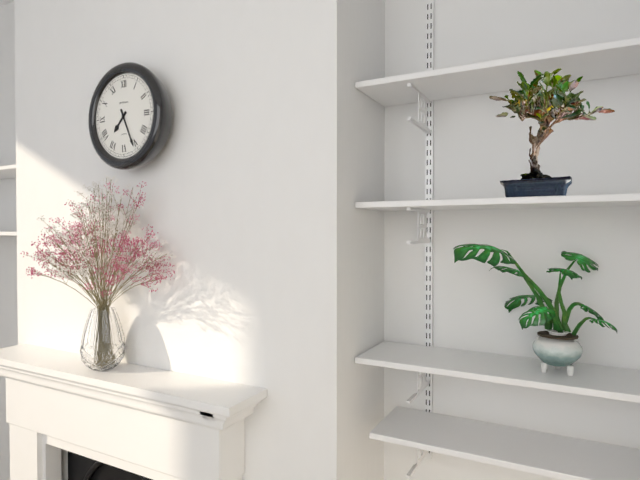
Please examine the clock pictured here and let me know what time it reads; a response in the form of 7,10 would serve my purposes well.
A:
7,26
